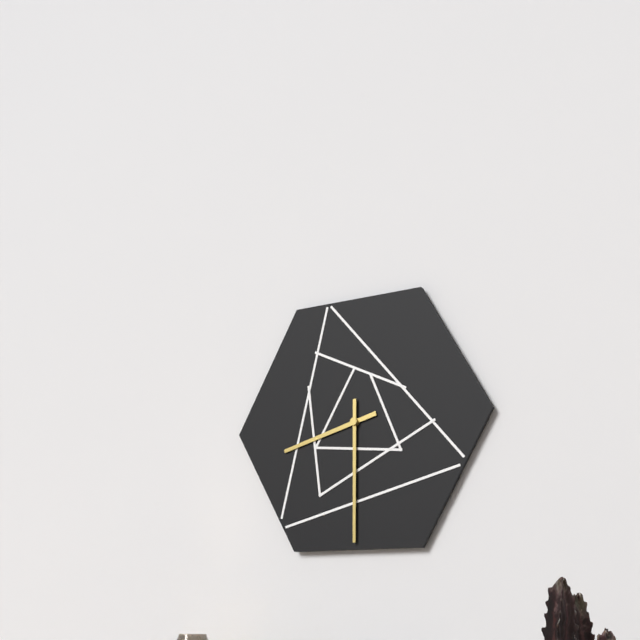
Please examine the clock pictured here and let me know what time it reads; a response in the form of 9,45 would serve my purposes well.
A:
8,30
